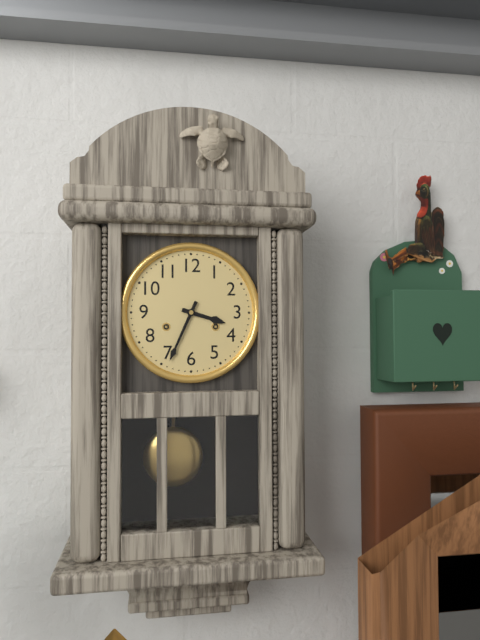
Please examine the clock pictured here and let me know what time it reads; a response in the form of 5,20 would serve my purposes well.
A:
3,34
